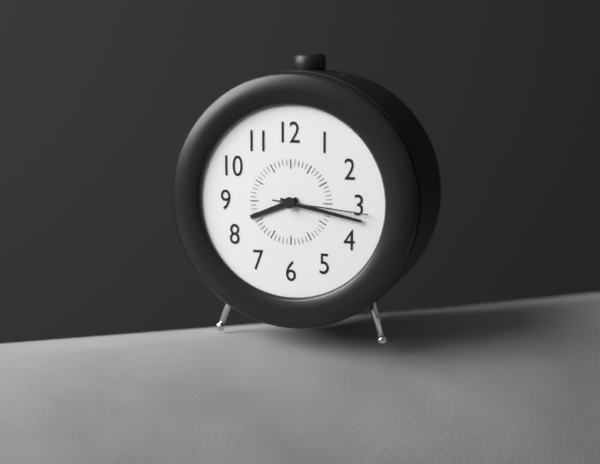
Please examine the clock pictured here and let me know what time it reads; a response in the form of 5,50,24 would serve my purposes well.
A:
8,17,16
